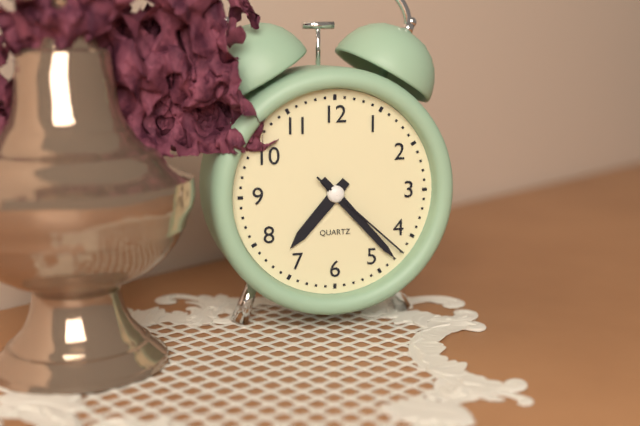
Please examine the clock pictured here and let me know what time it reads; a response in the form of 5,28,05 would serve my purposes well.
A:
7,23,22
